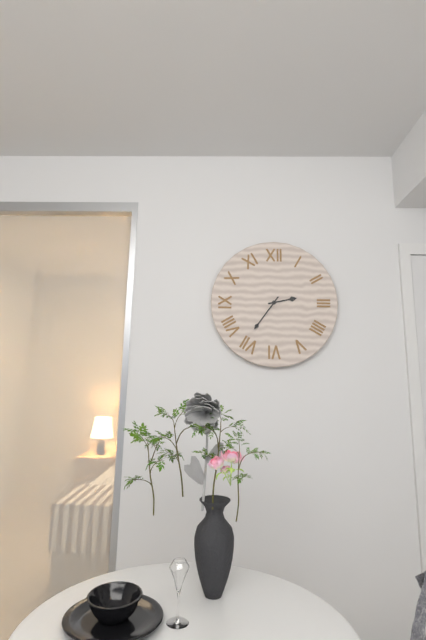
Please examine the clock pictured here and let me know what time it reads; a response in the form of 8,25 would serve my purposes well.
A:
2,36
